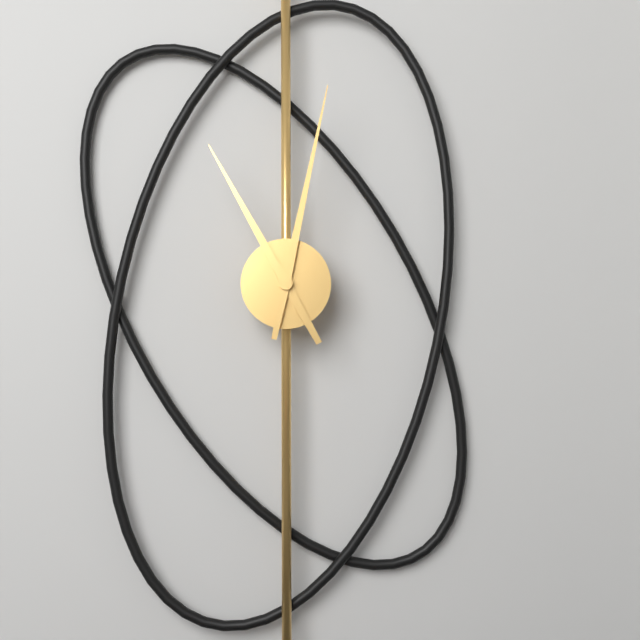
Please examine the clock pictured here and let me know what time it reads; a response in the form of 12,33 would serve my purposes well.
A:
11,02
